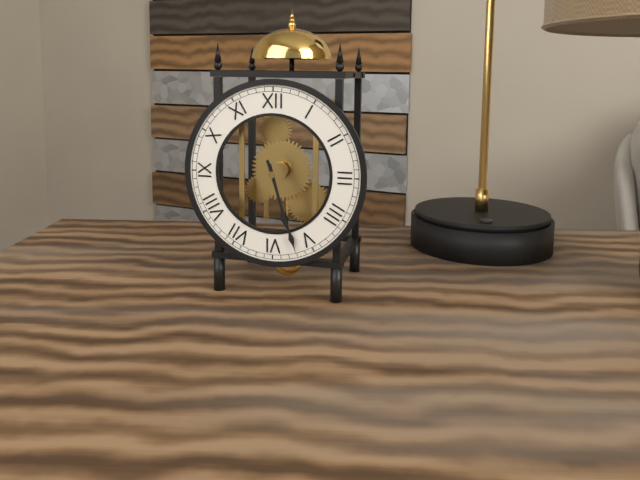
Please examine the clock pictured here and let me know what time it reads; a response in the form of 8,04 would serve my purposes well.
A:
5,27
